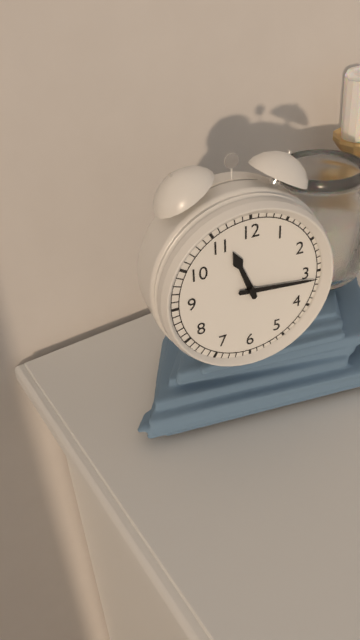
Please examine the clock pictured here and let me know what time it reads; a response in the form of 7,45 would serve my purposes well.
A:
11,16
